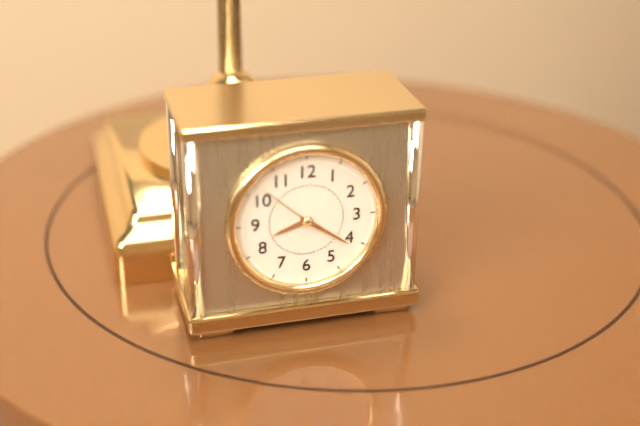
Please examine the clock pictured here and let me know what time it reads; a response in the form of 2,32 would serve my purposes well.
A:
8,21
